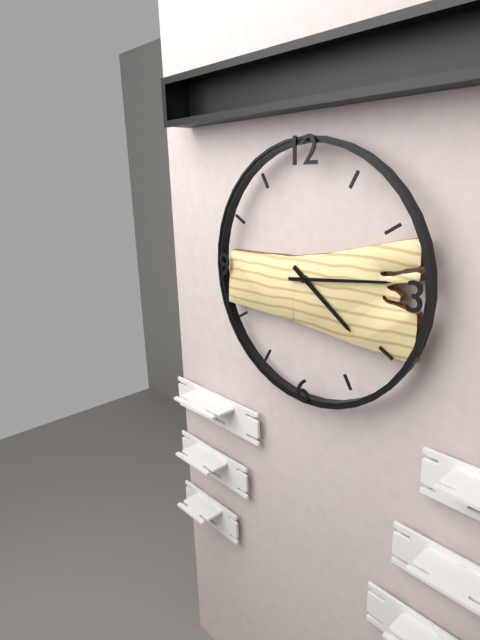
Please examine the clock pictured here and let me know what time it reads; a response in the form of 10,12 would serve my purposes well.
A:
4,14
